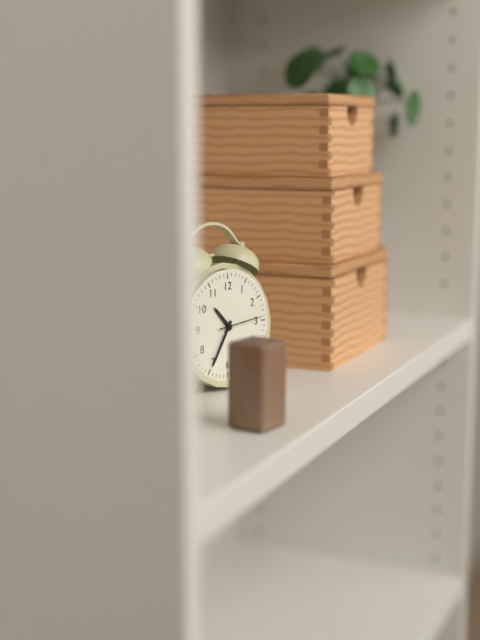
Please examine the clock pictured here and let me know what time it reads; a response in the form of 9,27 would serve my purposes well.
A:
10,35
